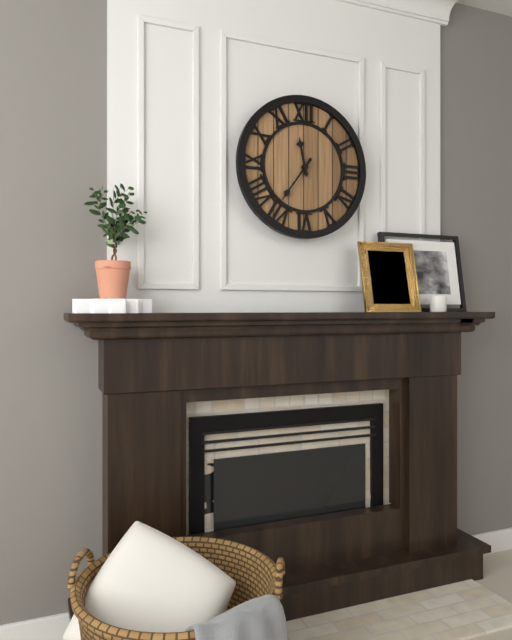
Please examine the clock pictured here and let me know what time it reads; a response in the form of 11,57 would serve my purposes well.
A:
11,36
